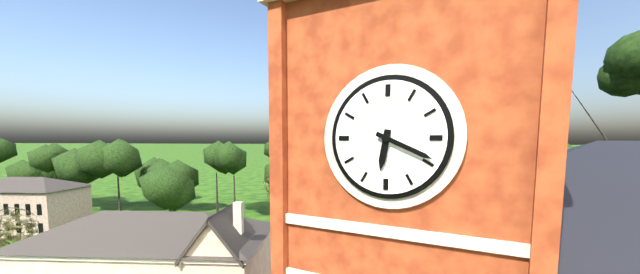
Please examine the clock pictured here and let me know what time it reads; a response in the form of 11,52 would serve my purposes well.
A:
6,19
